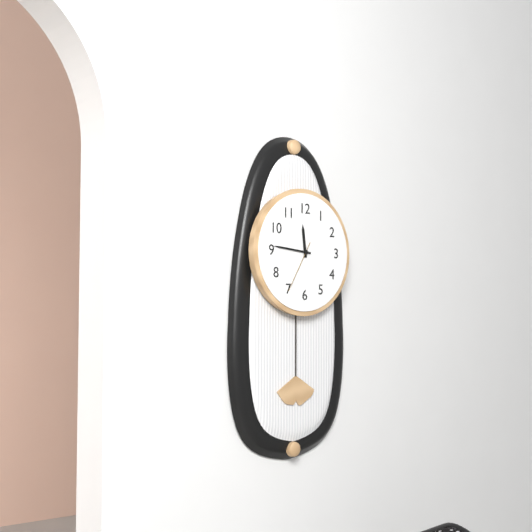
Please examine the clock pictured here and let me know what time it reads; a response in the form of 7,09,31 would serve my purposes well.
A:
11,46,35
